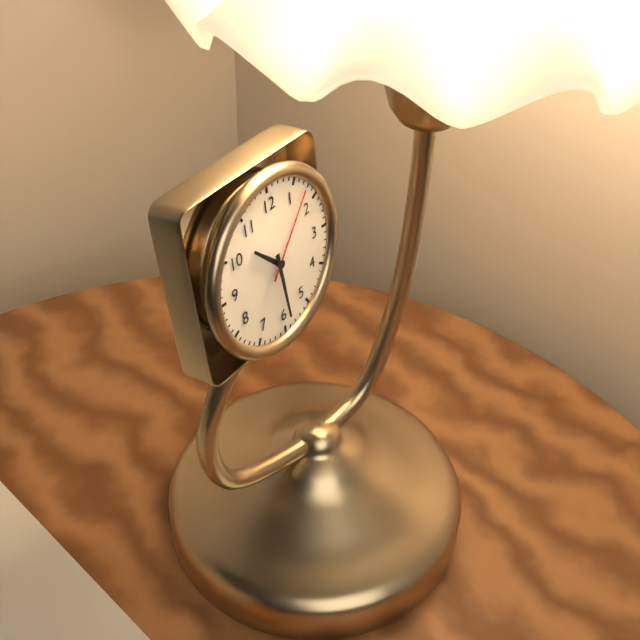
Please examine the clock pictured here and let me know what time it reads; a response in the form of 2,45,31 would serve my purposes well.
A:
10,29,07
